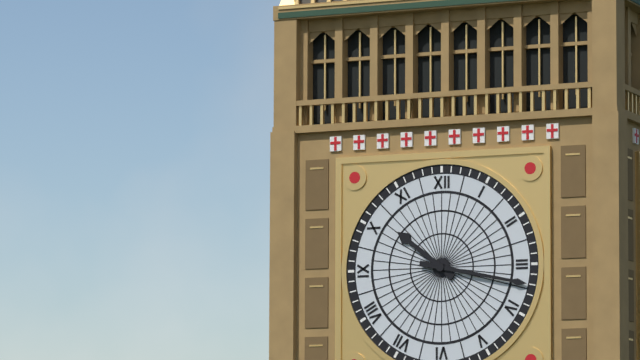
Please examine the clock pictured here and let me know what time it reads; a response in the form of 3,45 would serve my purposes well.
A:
10,17
